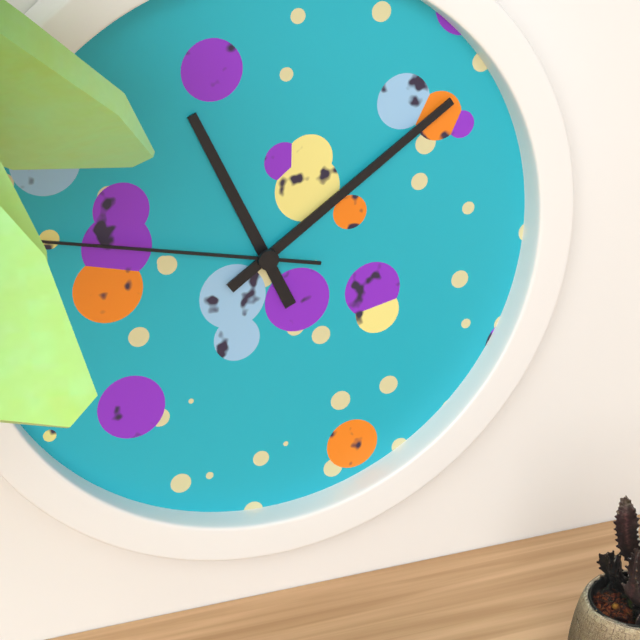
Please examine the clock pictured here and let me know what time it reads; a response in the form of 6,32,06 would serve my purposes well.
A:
11,09,47
